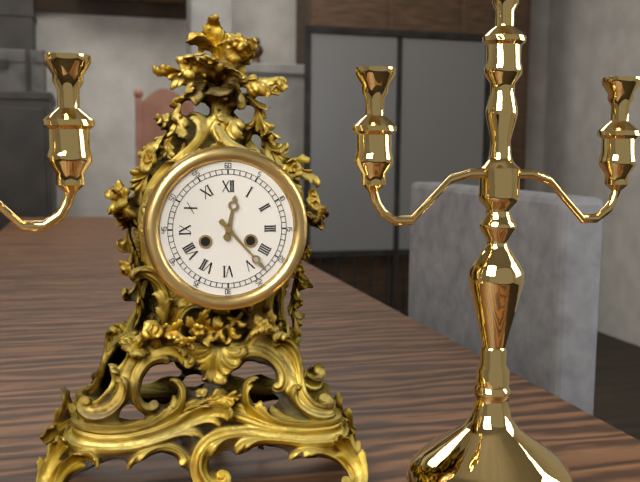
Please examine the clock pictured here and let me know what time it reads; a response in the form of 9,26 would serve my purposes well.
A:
12,23
